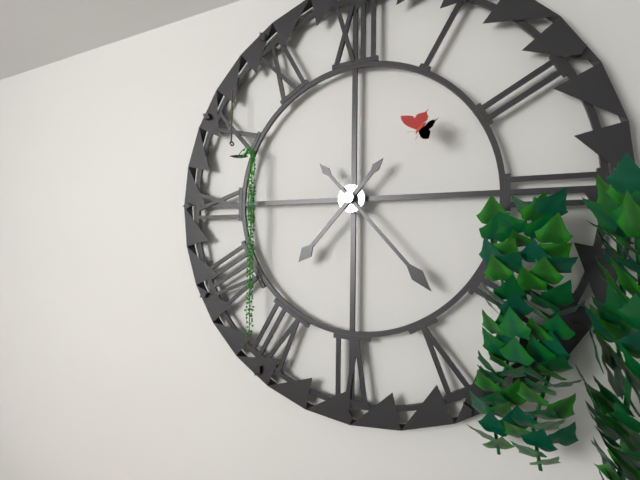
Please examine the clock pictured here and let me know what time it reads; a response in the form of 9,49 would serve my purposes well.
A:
7,23
